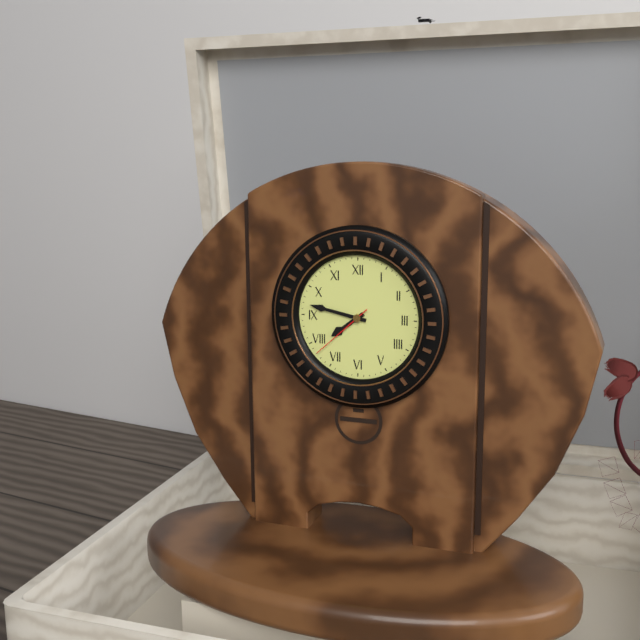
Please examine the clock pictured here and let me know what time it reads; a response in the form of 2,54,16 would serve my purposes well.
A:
7,47,38
